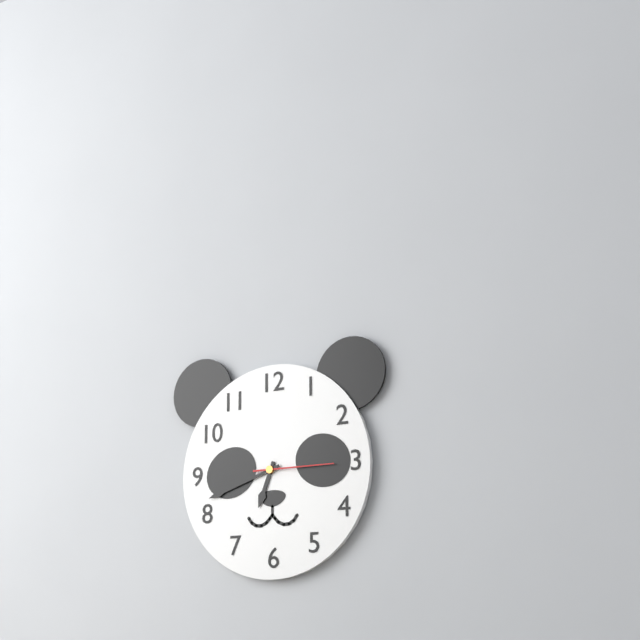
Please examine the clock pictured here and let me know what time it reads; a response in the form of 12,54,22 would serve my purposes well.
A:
6,42,15
